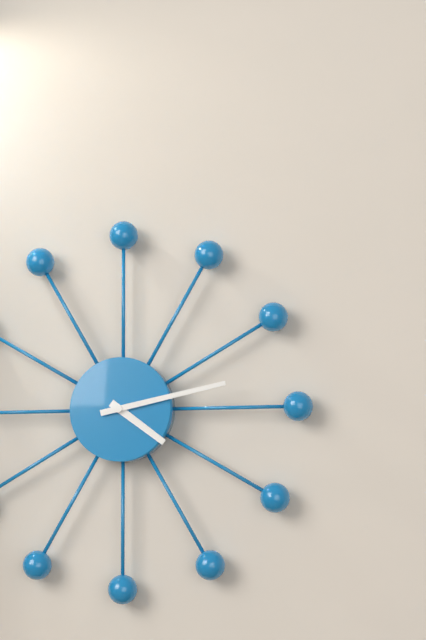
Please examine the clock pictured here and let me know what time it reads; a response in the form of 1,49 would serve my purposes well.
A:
4,13
